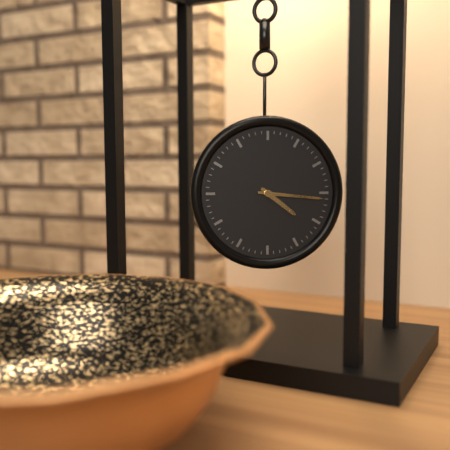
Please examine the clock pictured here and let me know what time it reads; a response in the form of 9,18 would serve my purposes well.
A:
4,16
